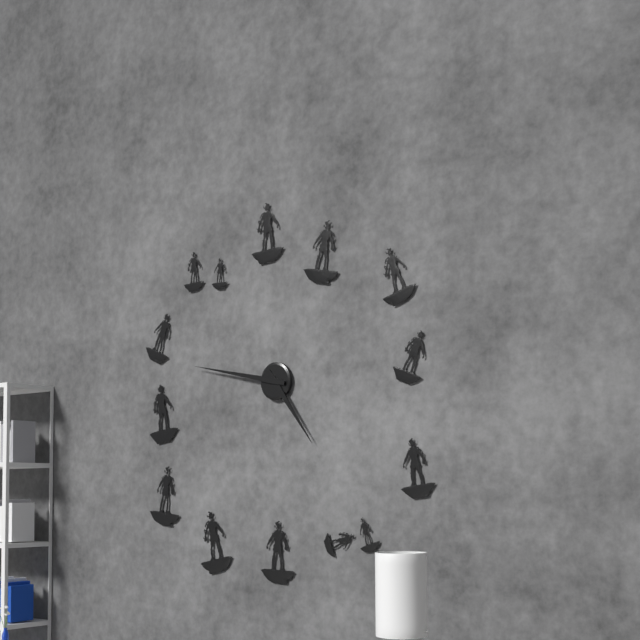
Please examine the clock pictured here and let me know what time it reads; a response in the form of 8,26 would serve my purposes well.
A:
4,47
